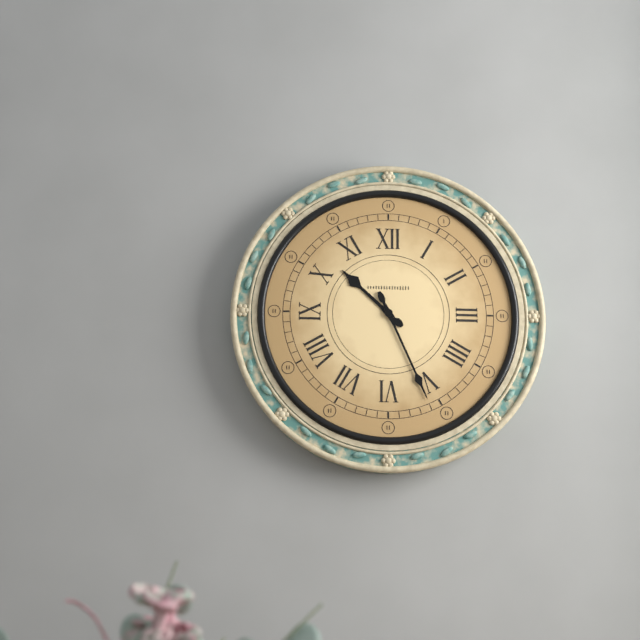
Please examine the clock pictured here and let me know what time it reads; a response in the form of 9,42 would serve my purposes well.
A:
10,26
